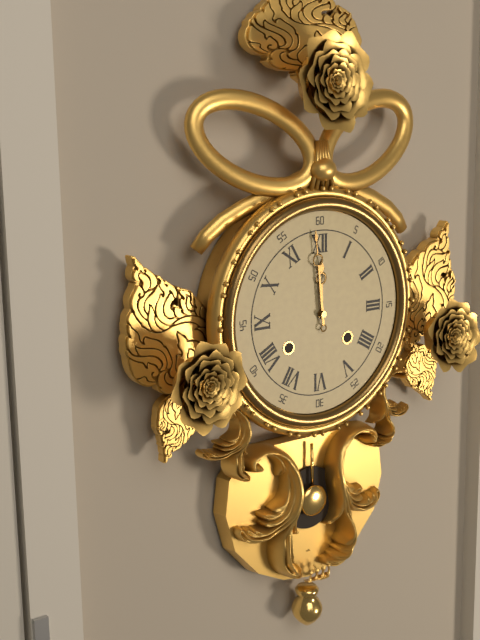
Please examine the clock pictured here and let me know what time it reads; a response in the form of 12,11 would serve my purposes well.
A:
11,59
